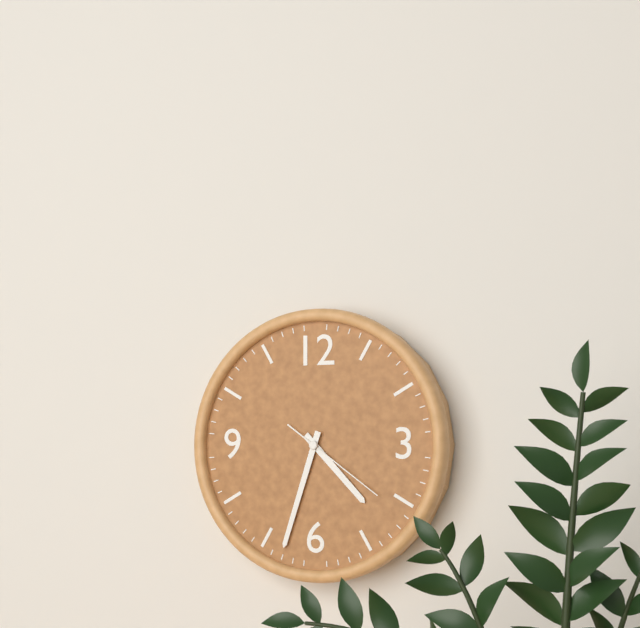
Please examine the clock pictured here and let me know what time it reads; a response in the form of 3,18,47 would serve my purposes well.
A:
4,33,21
